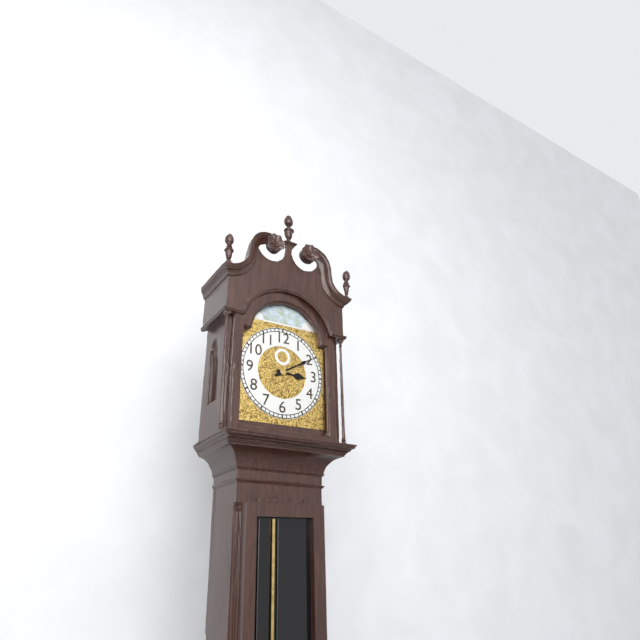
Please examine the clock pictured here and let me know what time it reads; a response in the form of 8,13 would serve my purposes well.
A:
3,10
